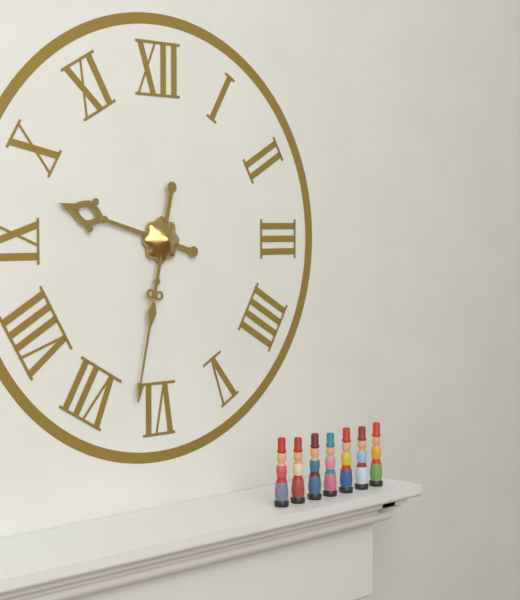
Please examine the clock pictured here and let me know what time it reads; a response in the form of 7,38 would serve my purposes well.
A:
9,32
